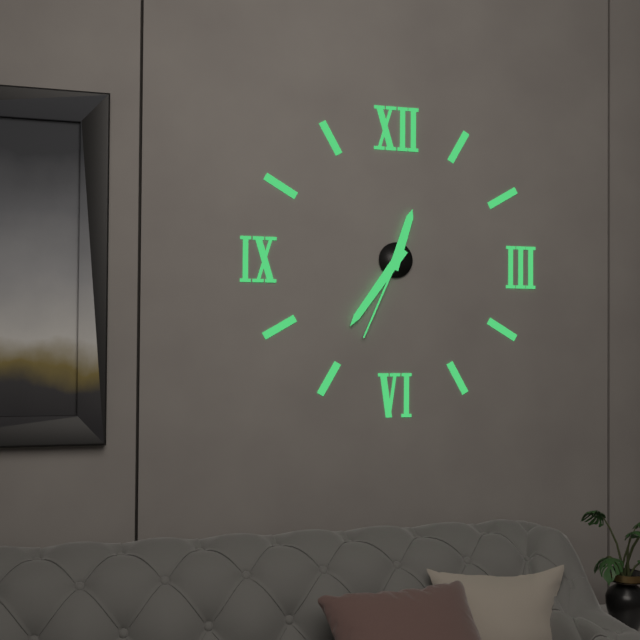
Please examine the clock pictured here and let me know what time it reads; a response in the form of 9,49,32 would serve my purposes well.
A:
12,36,34
